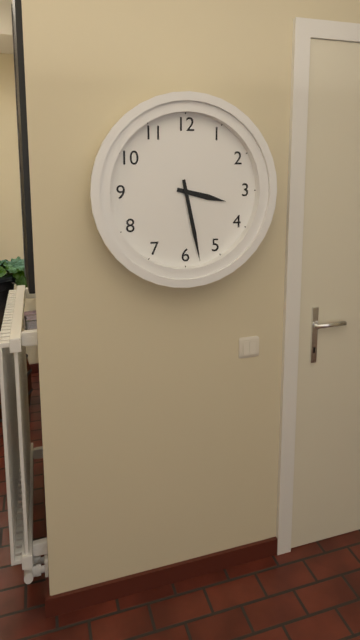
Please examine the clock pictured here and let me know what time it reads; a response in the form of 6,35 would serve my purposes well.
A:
3,28
